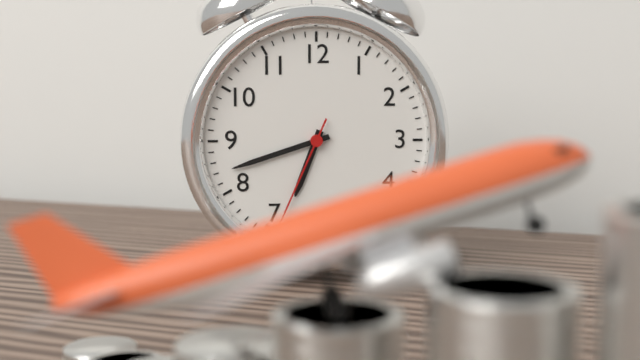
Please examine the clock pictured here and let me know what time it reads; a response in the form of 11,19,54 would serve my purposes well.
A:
6,42,34
